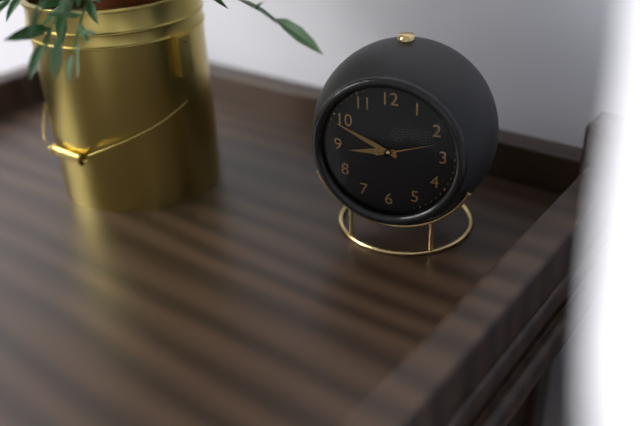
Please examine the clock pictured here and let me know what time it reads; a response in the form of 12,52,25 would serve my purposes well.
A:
8,49,12
